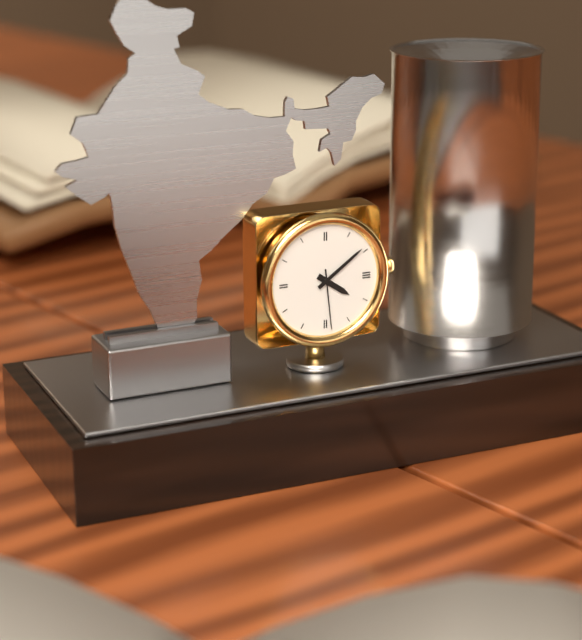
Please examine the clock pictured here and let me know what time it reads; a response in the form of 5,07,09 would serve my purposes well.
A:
4,09,29
